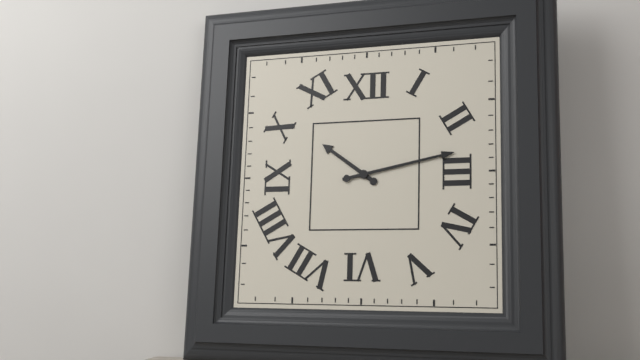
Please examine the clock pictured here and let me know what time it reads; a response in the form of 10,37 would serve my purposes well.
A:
10,13
